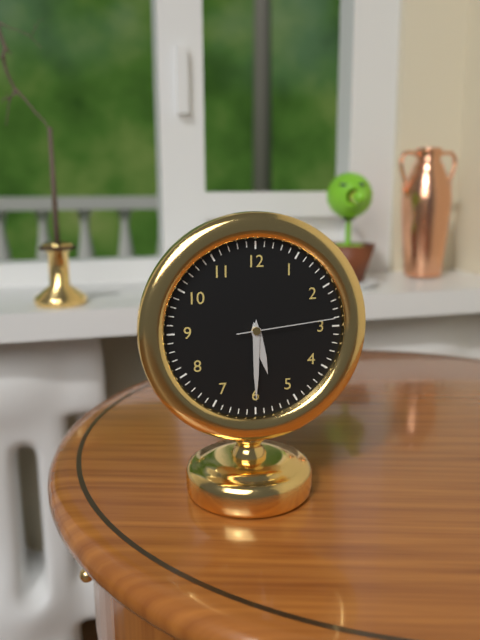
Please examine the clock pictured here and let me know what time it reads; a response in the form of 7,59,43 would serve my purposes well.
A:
5,30,14
